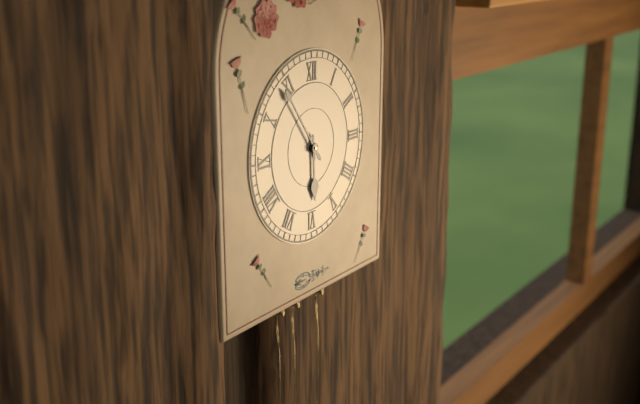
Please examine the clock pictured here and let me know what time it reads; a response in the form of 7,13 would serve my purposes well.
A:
5,54
